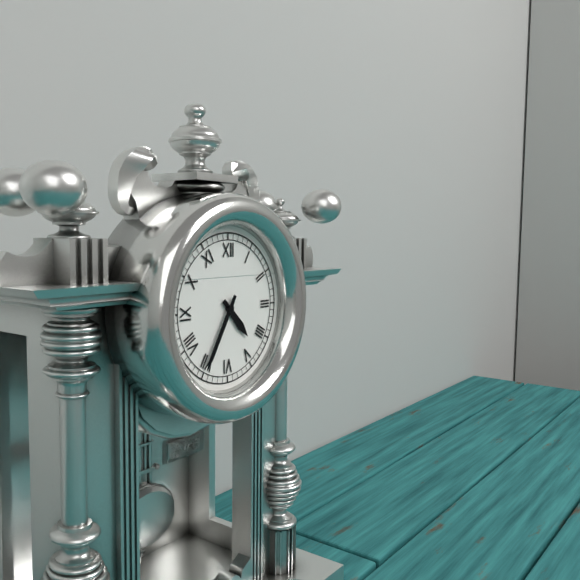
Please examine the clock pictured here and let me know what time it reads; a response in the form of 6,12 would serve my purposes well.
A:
4,35
